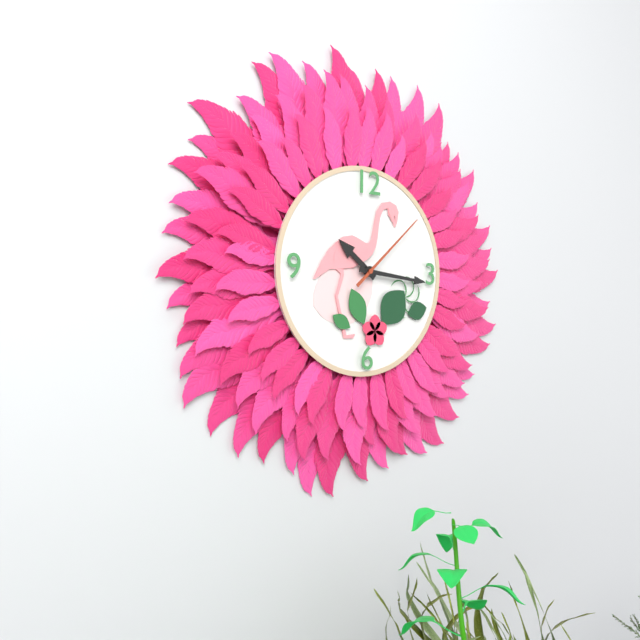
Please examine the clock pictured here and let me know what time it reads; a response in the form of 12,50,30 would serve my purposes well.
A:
10,16,08
